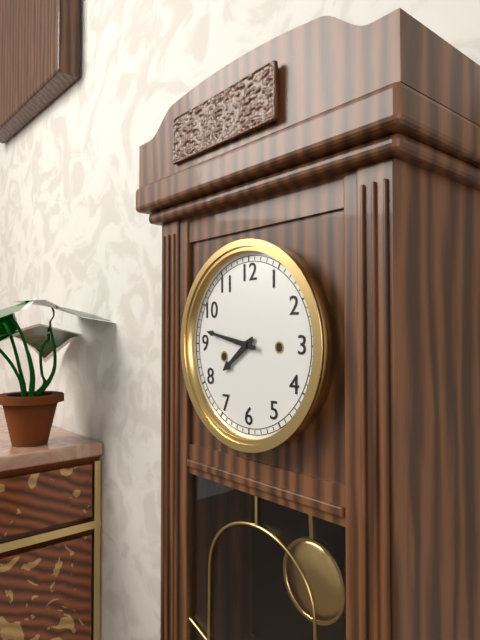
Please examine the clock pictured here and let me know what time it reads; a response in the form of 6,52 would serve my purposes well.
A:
7,47
